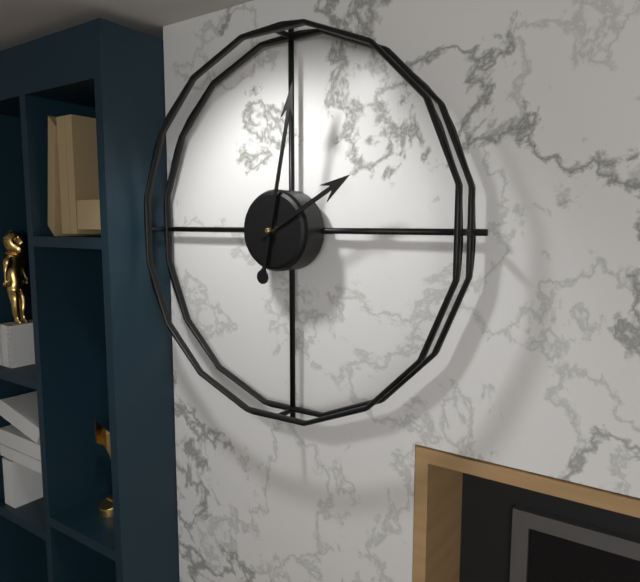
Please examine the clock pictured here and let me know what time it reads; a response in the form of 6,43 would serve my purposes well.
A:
2,02
